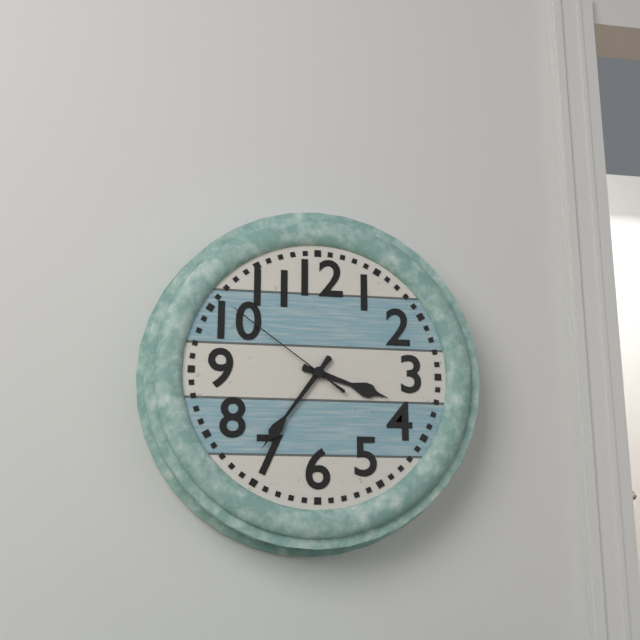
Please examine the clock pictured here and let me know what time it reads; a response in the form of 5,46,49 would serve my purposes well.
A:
3,36,51
